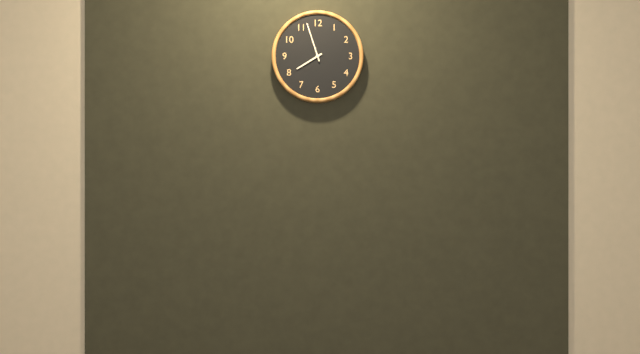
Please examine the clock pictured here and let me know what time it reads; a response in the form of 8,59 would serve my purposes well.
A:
7,57
